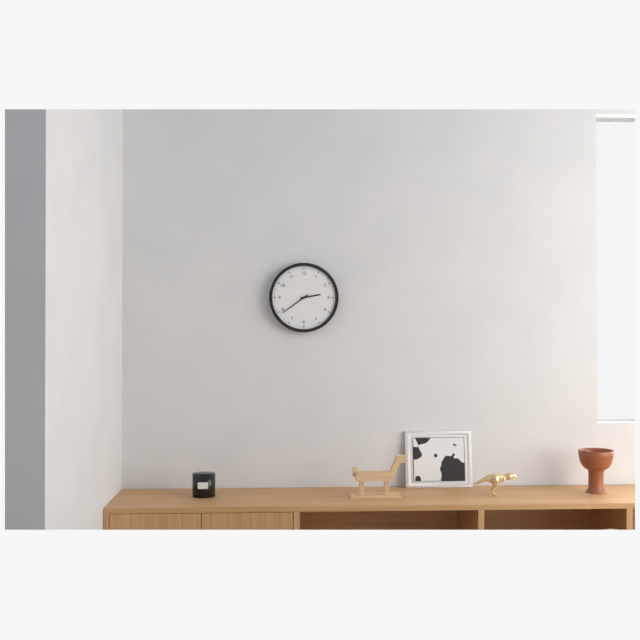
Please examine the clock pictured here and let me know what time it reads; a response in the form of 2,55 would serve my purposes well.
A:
2,39
